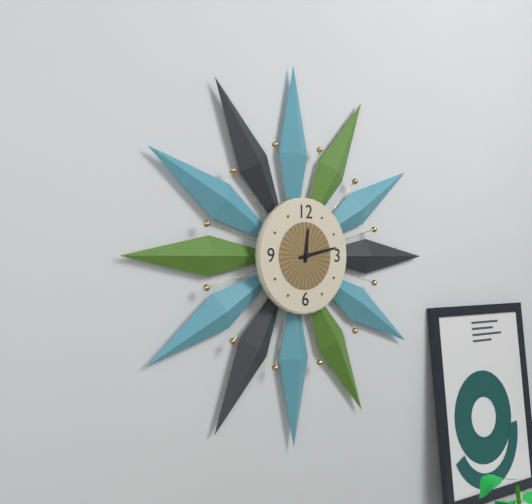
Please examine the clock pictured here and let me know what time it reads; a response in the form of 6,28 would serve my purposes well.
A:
12,13
